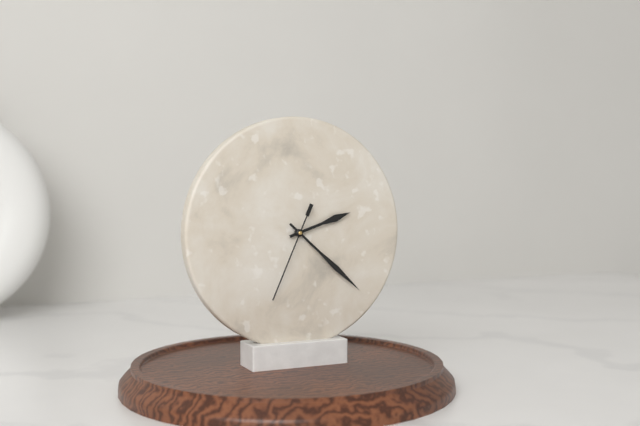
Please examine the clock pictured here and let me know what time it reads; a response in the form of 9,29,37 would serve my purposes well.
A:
2,22,34
